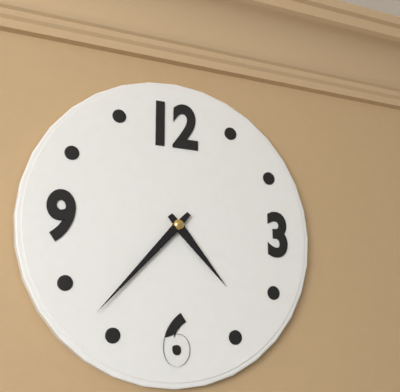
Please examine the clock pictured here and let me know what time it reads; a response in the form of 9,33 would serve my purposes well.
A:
4,37
